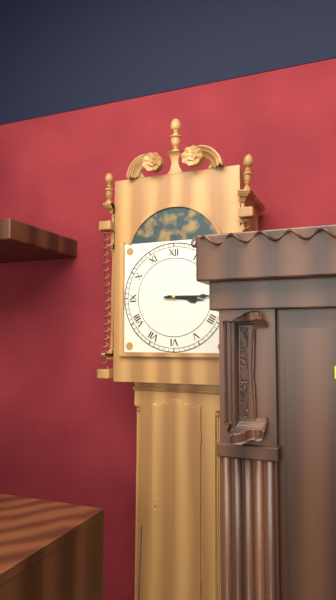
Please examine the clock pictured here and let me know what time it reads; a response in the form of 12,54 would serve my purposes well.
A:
3,15
